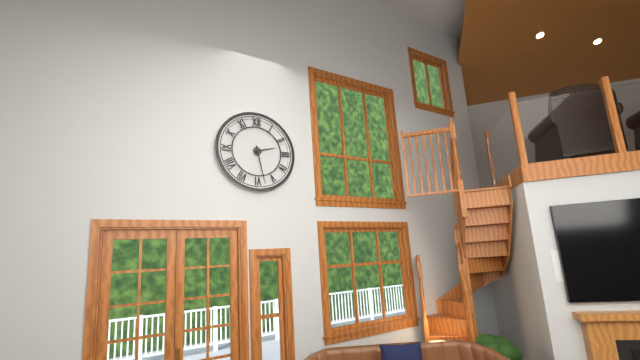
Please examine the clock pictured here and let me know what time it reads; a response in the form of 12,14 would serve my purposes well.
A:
2,28
